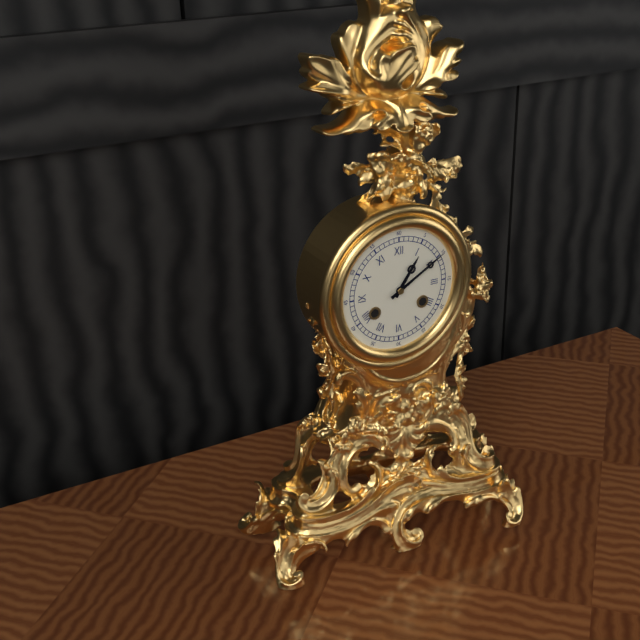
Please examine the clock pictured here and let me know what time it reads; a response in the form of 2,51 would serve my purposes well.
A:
1,10
